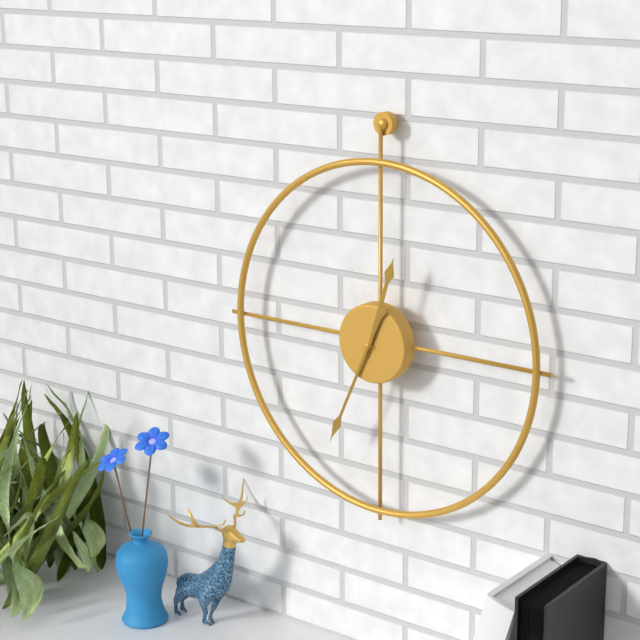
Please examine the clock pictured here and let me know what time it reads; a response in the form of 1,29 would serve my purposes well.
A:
12,34
